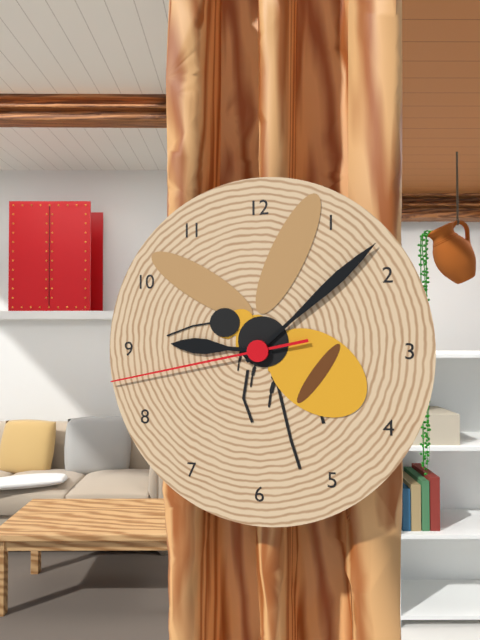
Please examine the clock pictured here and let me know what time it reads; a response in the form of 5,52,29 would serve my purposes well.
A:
9,08,43
